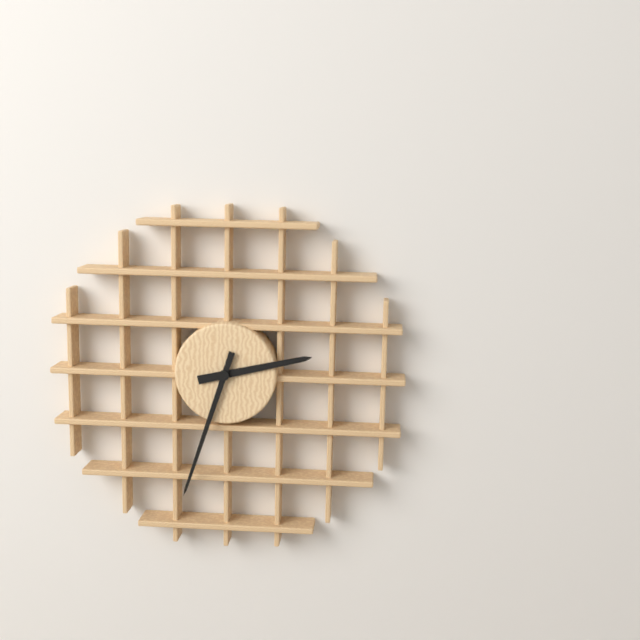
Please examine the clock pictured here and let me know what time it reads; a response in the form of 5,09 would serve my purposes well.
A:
2,33
